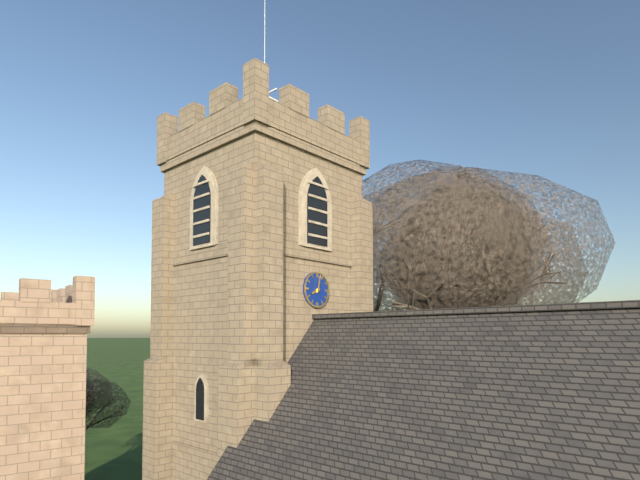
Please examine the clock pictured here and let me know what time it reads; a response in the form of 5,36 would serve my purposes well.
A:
8,02
